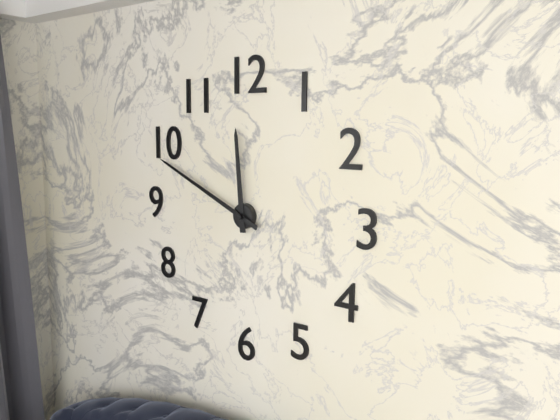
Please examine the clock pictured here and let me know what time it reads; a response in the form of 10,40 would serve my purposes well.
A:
11,49
